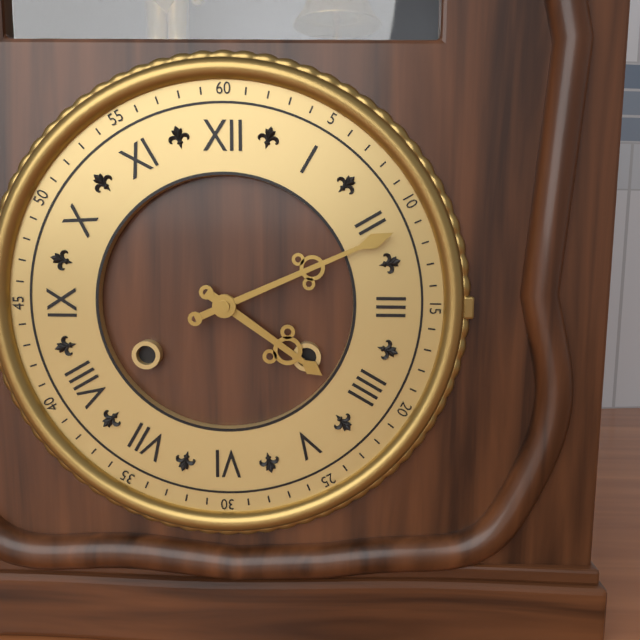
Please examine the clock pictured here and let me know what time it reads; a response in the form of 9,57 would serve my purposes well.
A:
4,11
